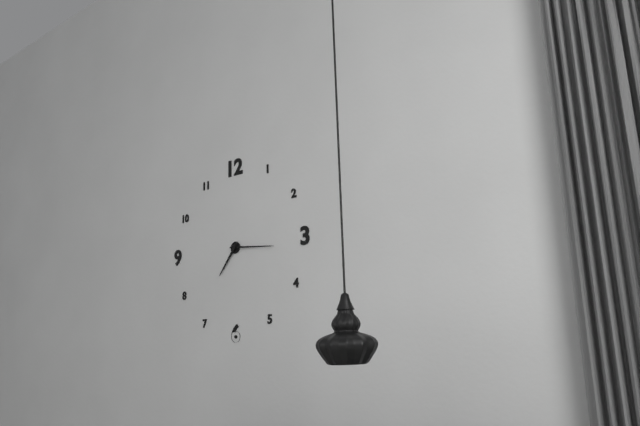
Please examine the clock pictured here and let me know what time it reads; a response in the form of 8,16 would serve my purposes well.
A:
7,16
